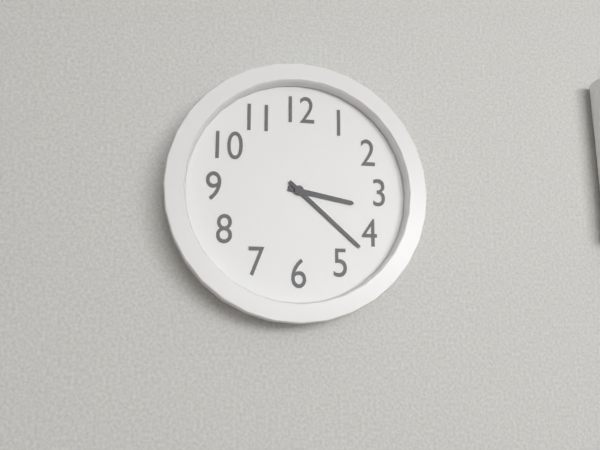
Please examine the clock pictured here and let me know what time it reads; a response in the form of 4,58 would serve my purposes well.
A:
3,22
